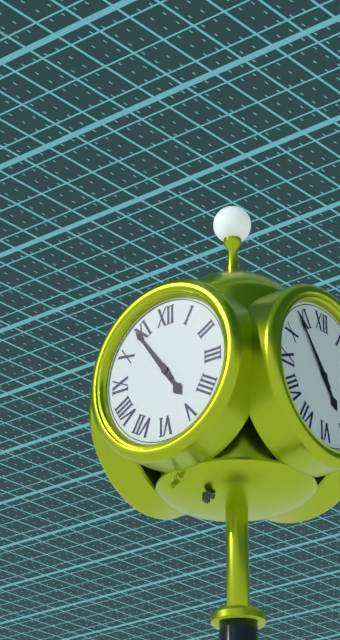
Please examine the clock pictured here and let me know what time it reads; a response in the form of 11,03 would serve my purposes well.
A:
4,54
